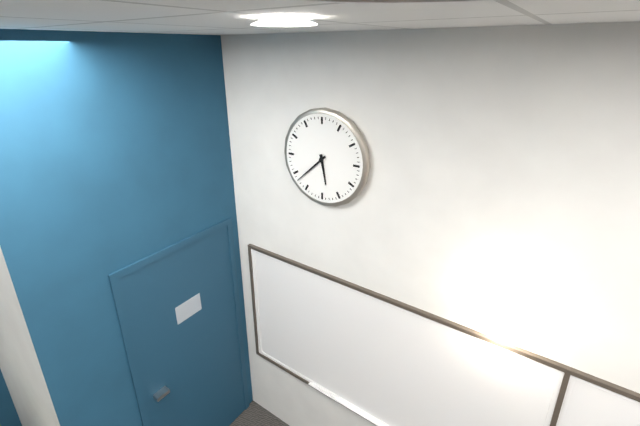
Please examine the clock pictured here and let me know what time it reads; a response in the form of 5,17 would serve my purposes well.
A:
5,38
